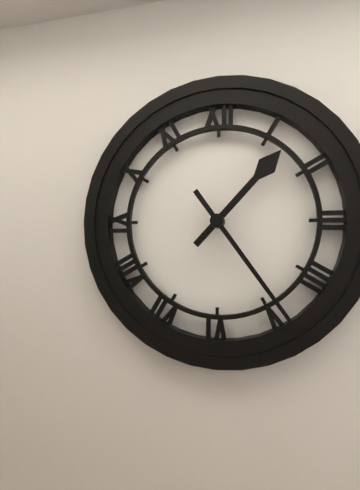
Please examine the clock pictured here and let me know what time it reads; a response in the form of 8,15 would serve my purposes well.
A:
1,24
